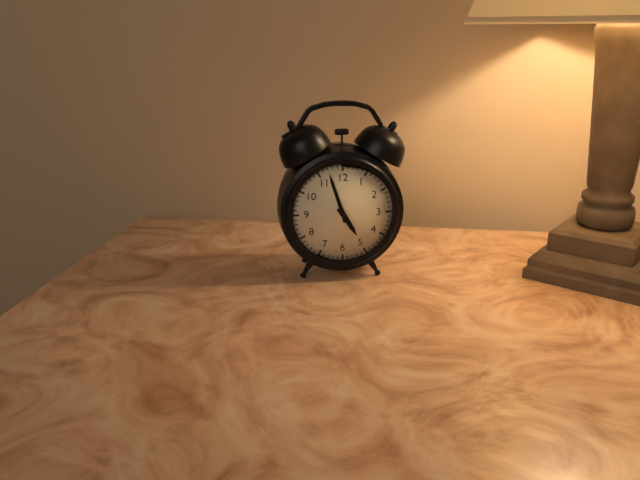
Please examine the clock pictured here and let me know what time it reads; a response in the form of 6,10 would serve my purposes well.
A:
4,57
